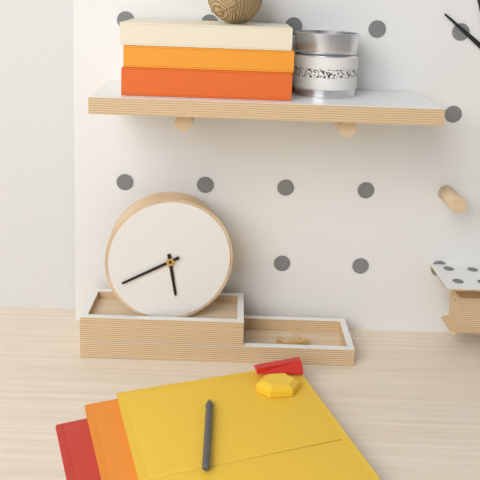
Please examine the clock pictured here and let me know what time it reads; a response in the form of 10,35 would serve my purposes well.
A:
5,41
